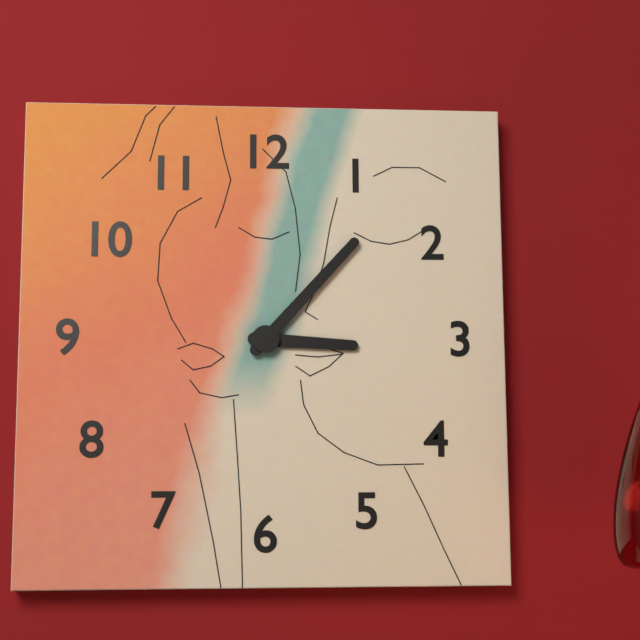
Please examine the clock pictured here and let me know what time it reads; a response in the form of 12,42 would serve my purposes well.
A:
3,07
